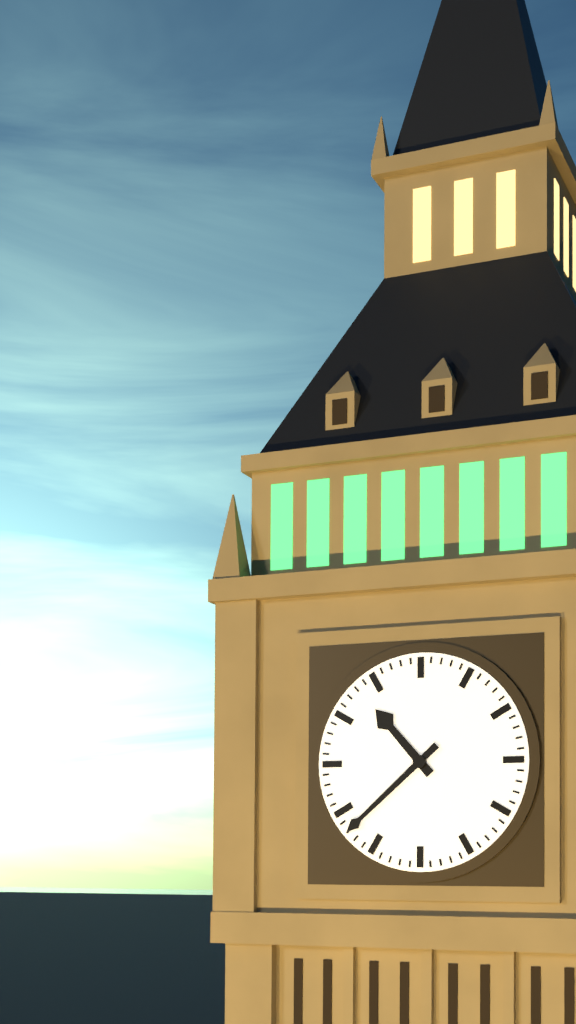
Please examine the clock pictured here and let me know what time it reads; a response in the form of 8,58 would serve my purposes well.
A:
10,38
